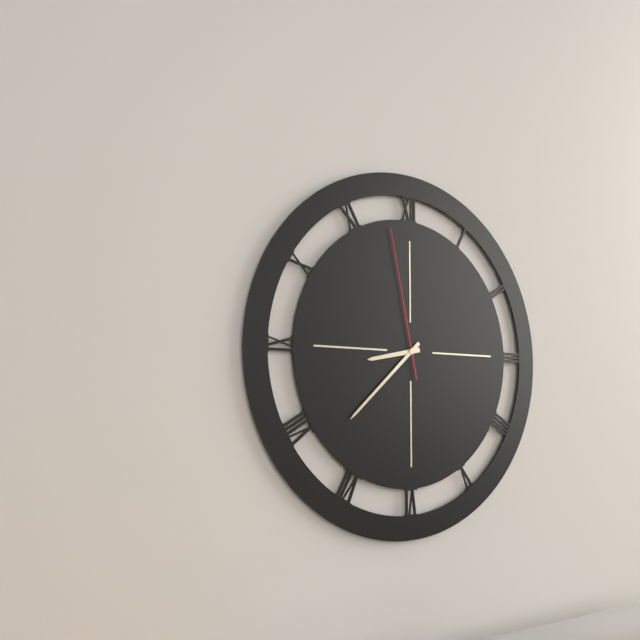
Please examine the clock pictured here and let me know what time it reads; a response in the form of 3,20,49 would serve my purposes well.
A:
8,38,58
